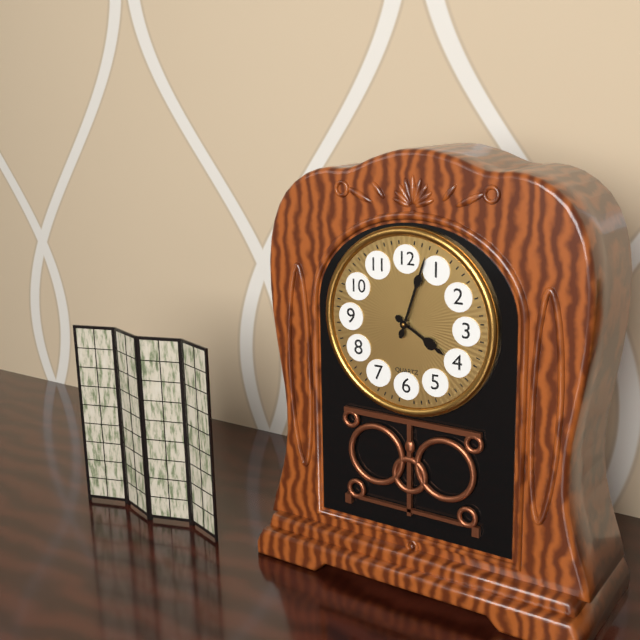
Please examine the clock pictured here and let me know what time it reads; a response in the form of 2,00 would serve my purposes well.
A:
4,03
